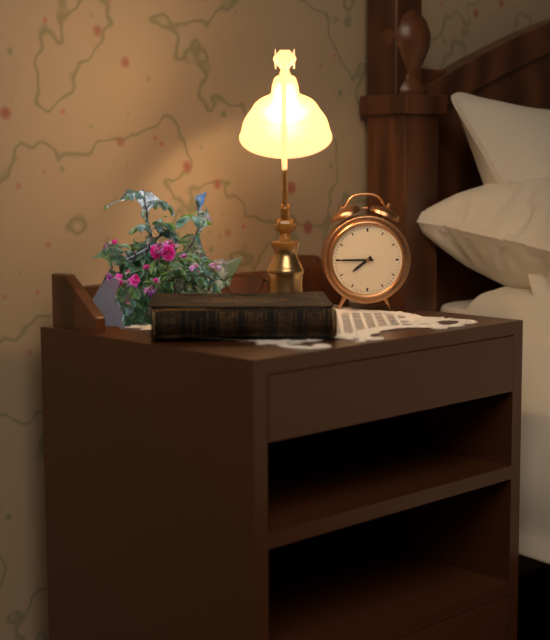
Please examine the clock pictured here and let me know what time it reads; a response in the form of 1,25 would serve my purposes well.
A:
7,45
